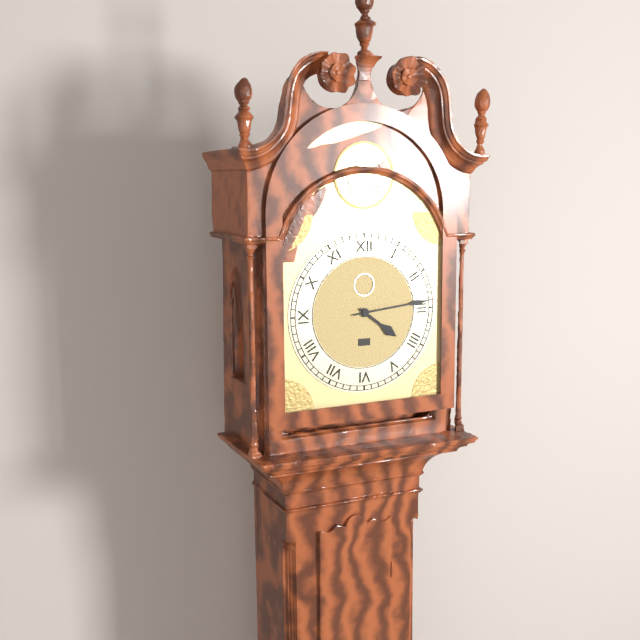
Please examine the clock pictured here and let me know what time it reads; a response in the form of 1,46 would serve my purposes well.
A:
4,14
